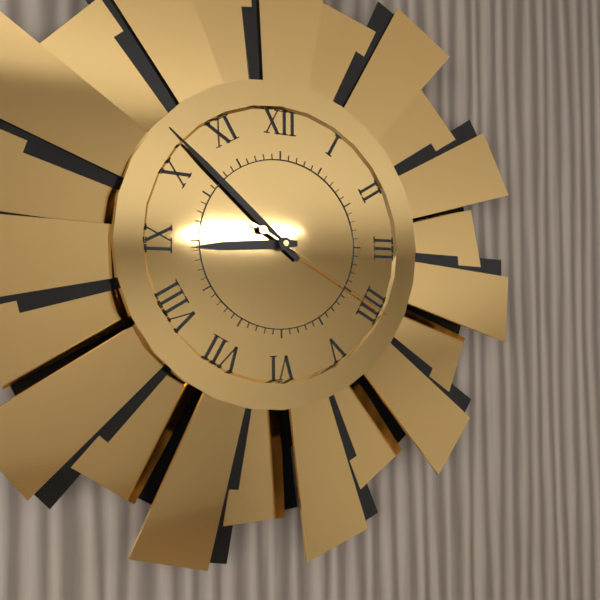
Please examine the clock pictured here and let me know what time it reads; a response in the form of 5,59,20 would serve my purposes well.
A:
8,52,20
